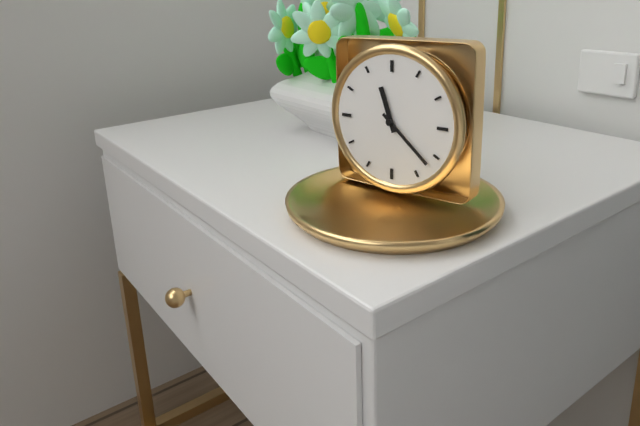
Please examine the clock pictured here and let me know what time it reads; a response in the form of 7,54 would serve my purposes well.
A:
11,22
